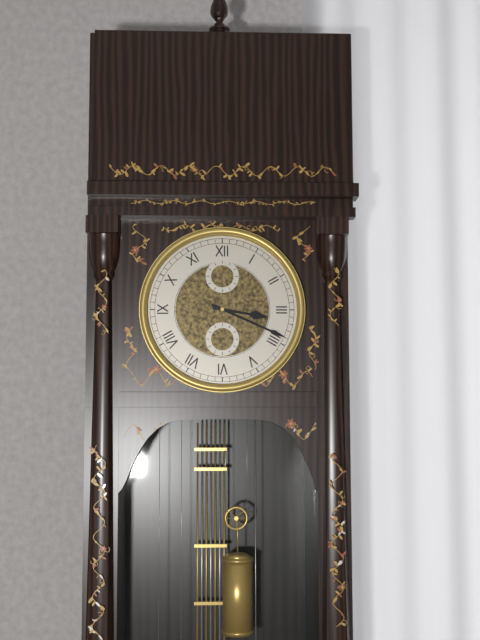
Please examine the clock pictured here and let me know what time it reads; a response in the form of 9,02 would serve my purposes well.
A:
3,19
